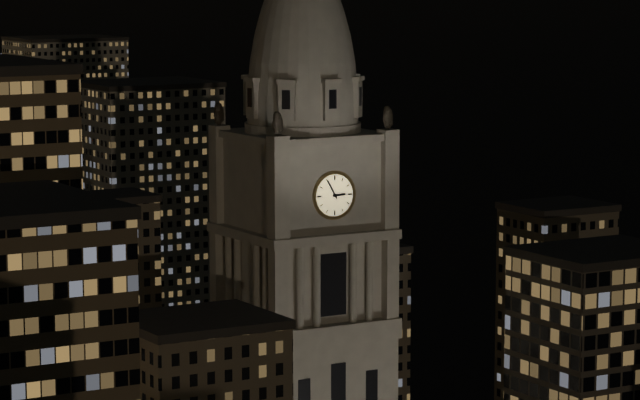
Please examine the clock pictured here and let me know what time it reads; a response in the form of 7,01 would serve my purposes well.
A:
2,55
